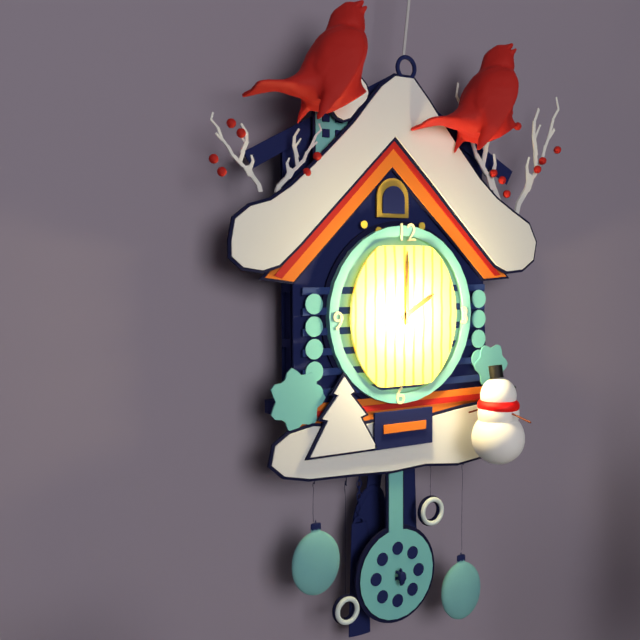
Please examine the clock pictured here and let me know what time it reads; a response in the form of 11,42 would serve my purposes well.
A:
2,00
